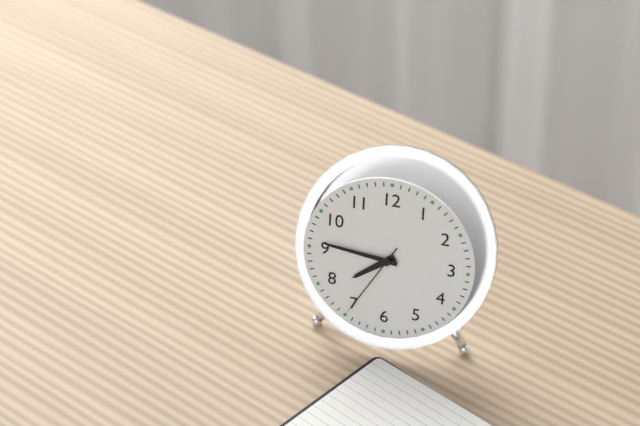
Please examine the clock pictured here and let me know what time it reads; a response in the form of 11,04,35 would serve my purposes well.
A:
7,46,35
